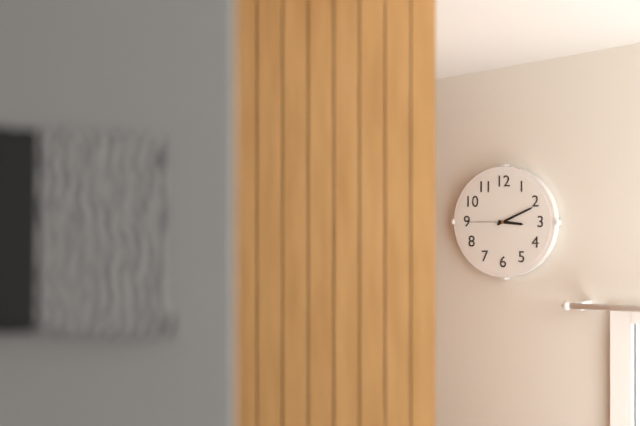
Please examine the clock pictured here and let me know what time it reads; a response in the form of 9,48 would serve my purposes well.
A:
3,11
